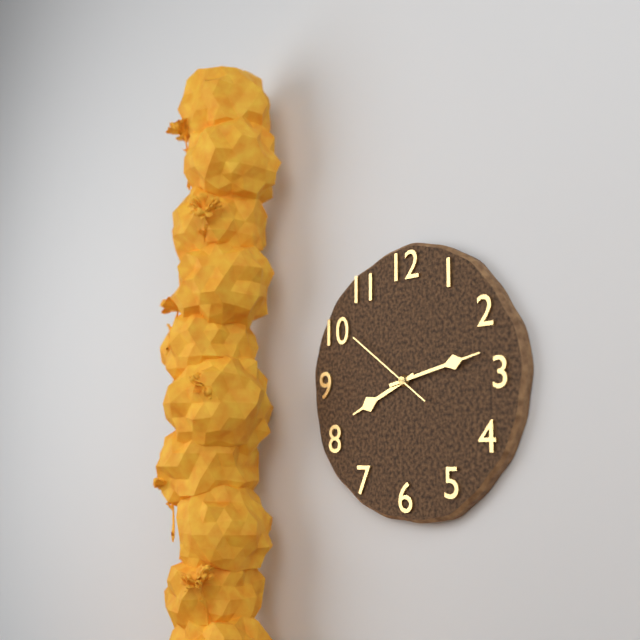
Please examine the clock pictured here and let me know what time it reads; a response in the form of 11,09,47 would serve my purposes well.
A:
8,13,51
